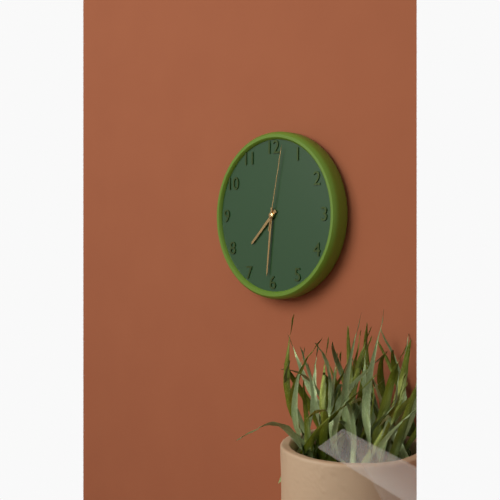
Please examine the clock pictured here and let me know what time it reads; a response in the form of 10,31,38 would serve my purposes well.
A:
7,31,02
